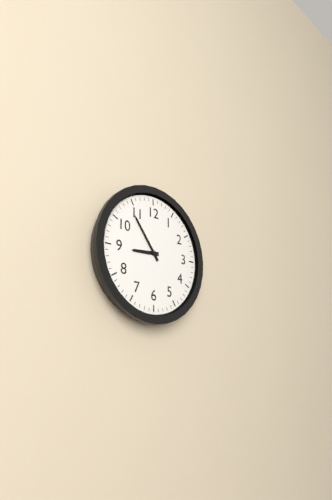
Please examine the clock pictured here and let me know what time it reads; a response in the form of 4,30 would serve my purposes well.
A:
8,54
